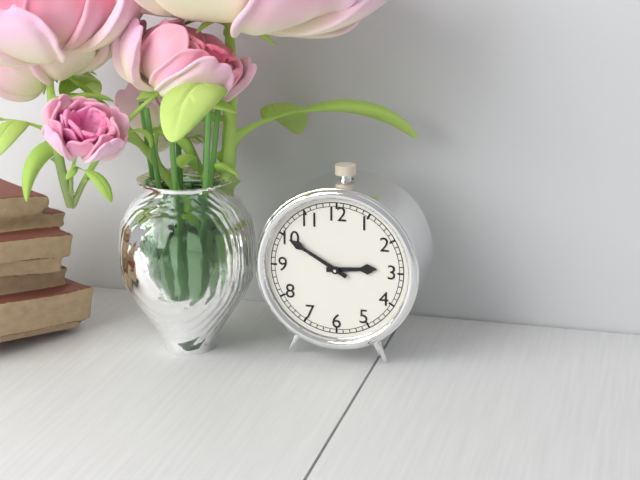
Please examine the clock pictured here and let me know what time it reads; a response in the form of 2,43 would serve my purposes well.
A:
2,50
